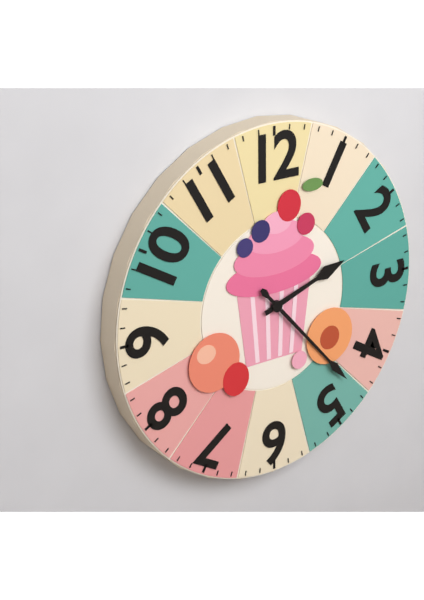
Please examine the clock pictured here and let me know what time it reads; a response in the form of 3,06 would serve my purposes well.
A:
2,23
